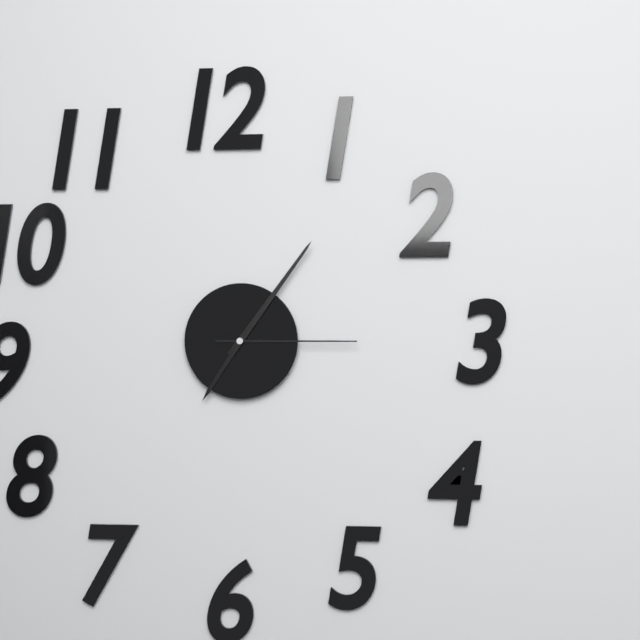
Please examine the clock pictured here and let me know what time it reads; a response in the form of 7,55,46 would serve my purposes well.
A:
7,06,15
